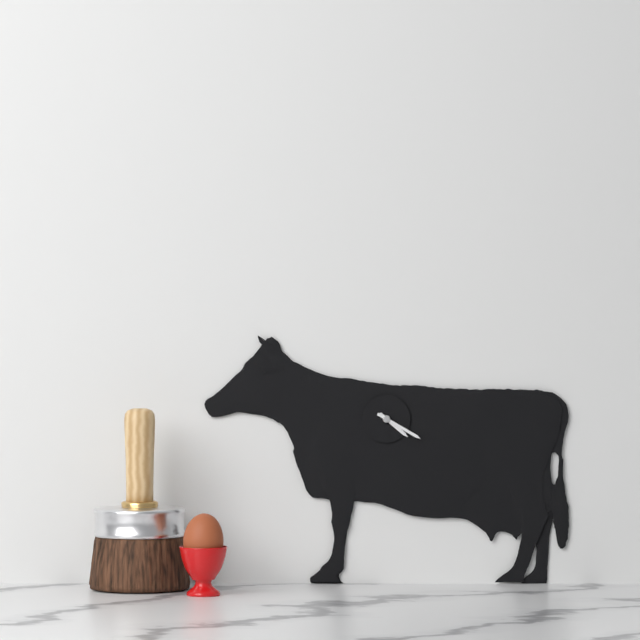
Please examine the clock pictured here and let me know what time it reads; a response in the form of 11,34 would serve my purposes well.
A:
4,20
